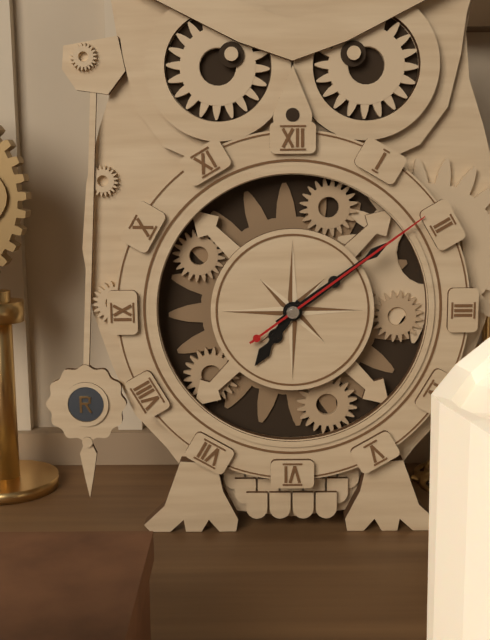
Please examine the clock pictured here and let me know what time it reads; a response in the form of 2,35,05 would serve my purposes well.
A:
7,09,09
